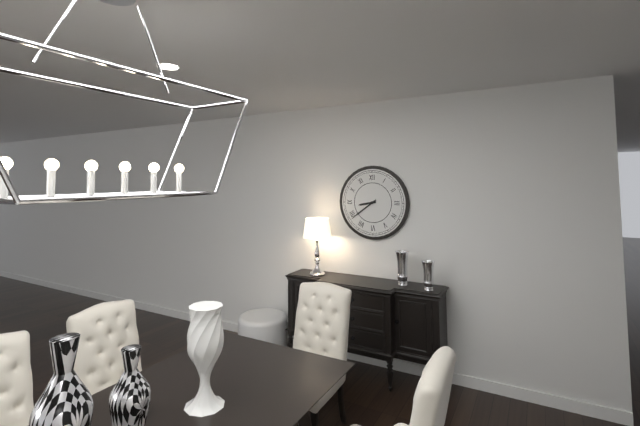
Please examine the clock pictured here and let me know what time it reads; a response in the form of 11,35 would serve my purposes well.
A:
8,39
